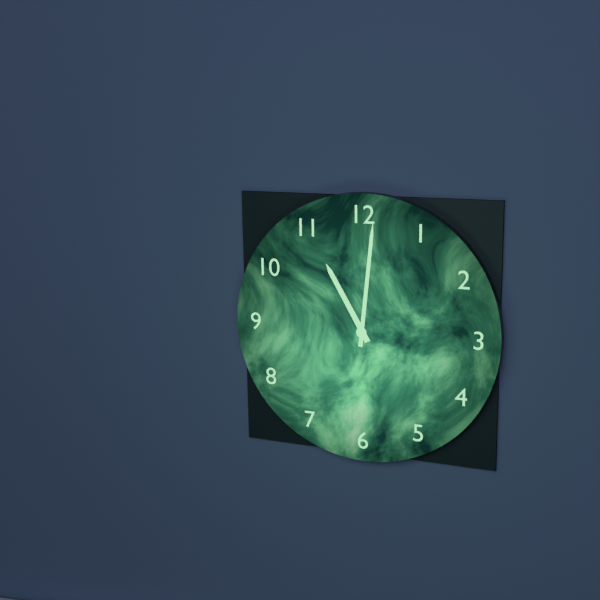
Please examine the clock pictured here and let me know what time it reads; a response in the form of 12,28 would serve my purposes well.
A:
11,01
